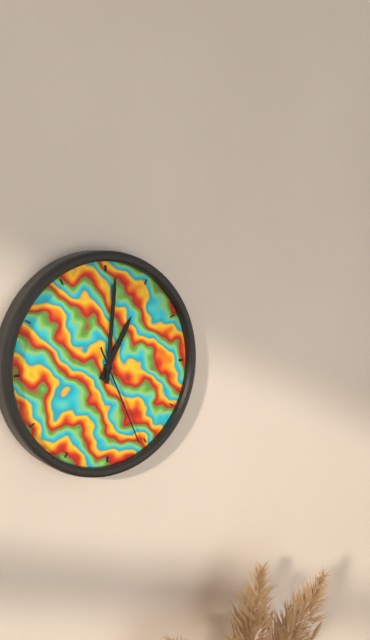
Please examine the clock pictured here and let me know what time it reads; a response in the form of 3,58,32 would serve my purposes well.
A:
1,01,26
